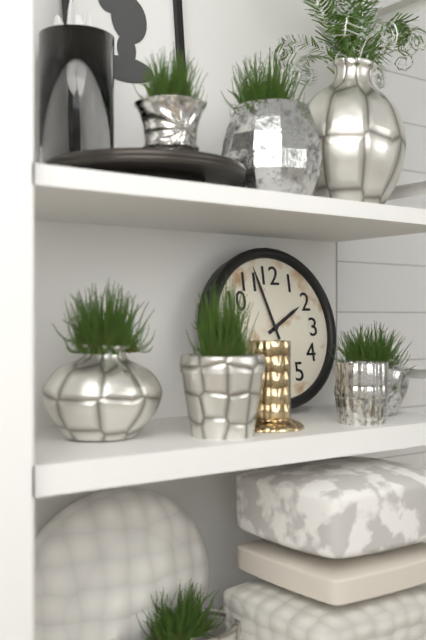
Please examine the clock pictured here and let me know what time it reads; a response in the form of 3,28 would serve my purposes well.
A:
1,57
